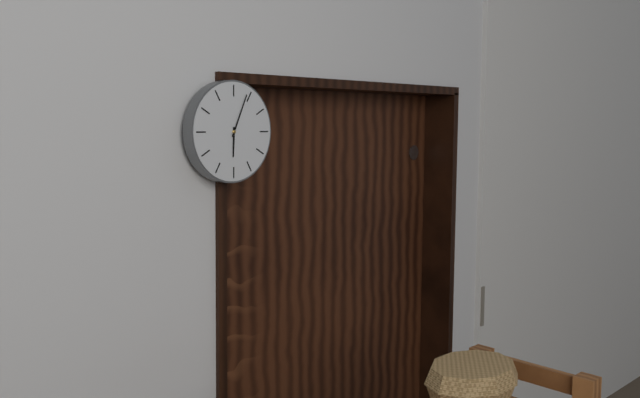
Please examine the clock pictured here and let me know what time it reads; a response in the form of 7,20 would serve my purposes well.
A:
6,04
